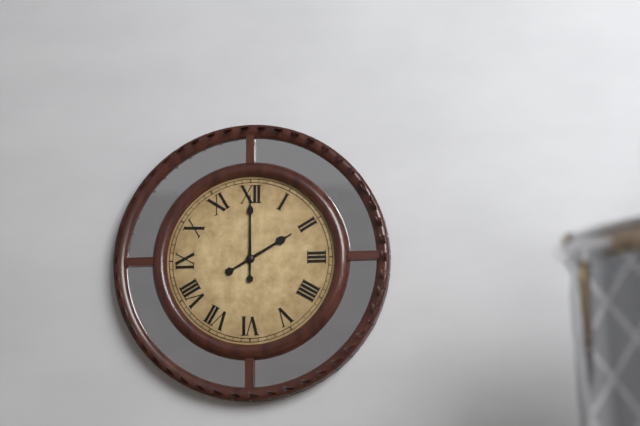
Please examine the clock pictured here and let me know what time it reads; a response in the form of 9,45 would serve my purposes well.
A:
2,00
